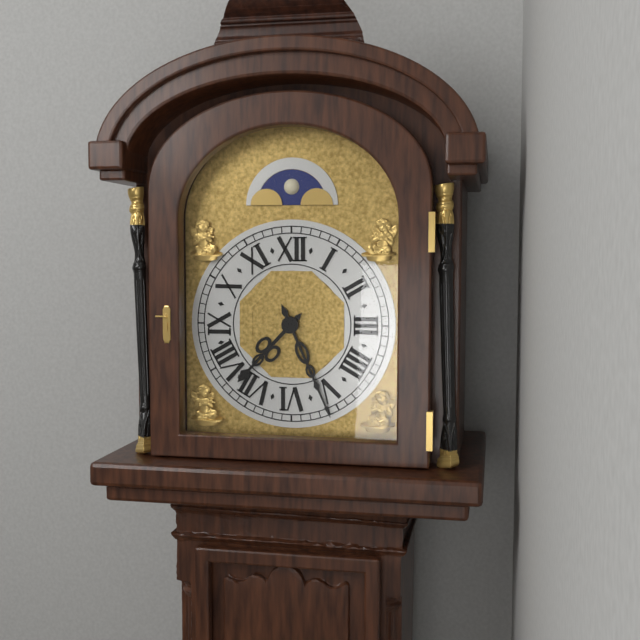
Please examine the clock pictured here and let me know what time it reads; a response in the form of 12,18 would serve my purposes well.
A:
7,26
